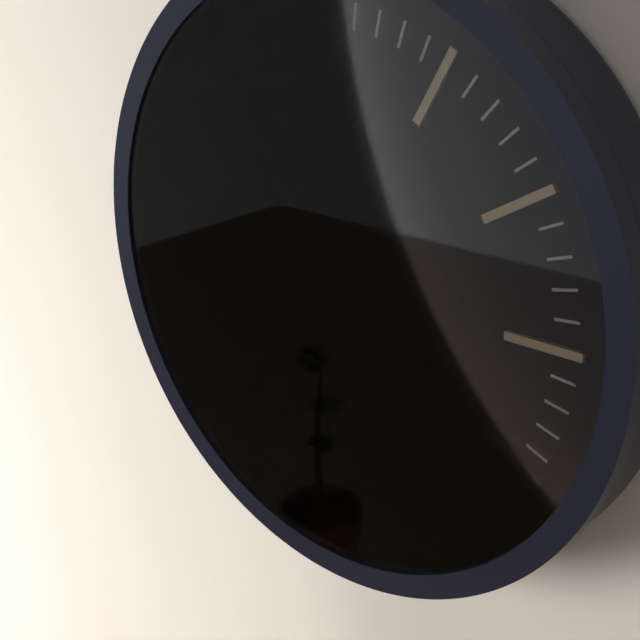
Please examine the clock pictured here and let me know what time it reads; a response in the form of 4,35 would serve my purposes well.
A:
9,21
